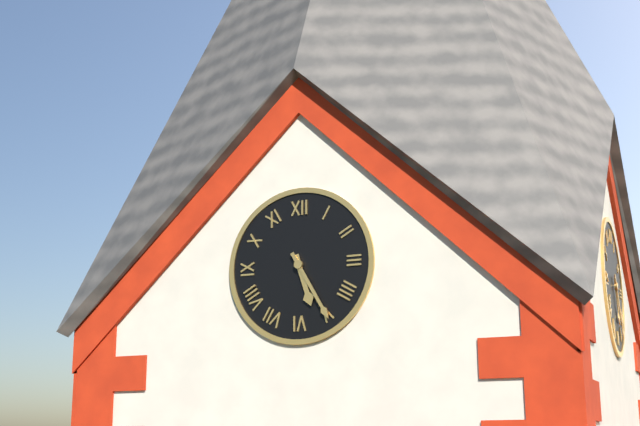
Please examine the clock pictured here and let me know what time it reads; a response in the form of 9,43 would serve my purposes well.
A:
5,25
